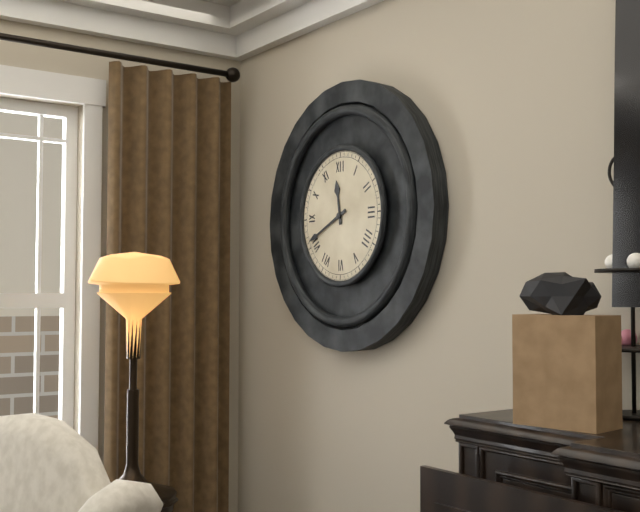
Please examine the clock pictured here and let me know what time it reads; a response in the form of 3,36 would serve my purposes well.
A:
11,41
